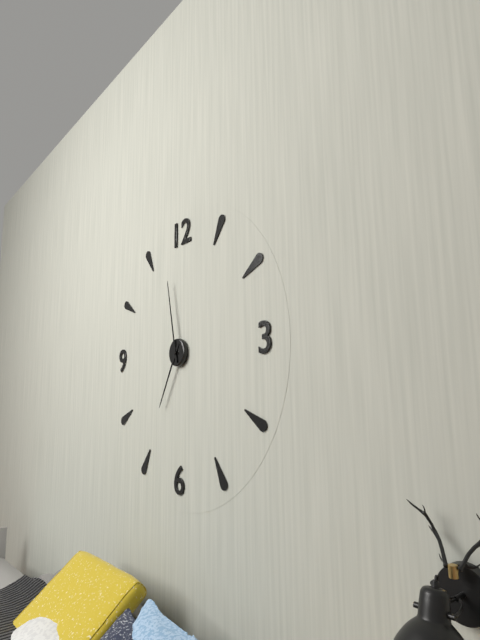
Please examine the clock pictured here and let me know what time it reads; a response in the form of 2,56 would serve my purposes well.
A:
6,58
